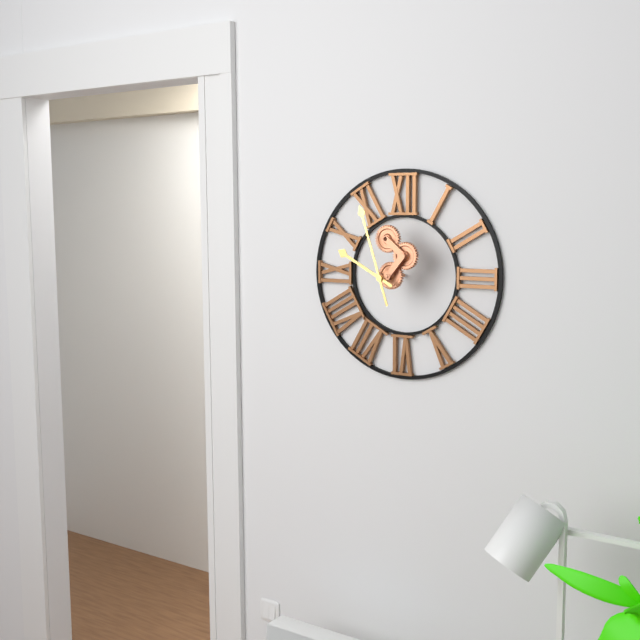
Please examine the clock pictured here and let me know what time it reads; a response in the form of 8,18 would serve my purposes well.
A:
9,57
